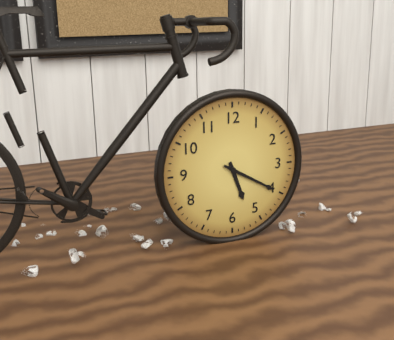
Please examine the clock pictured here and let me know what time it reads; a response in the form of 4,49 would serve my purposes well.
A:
5,20
